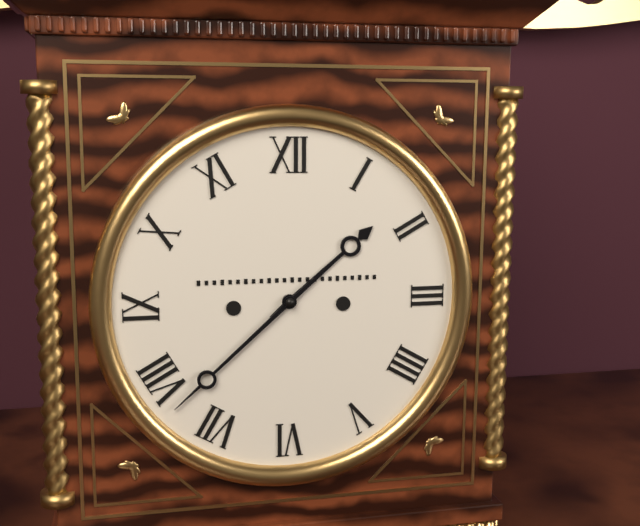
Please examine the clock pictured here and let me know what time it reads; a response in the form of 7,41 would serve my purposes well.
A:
1,38
